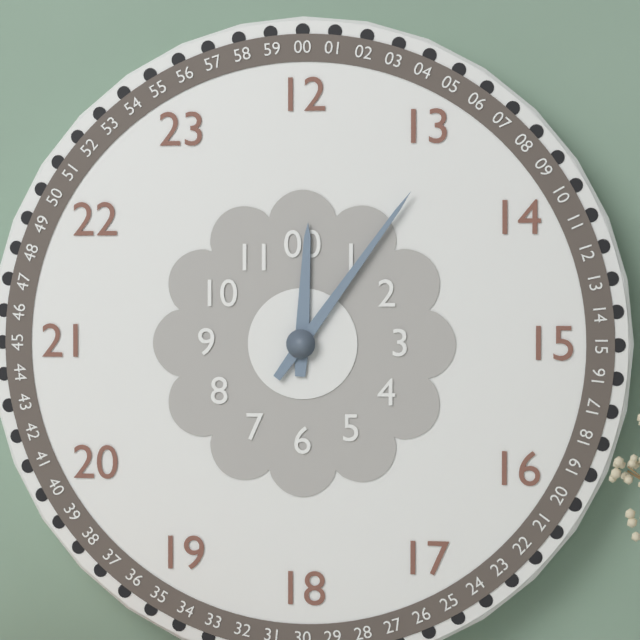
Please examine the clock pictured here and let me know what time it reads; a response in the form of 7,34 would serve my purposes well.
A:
12,06
